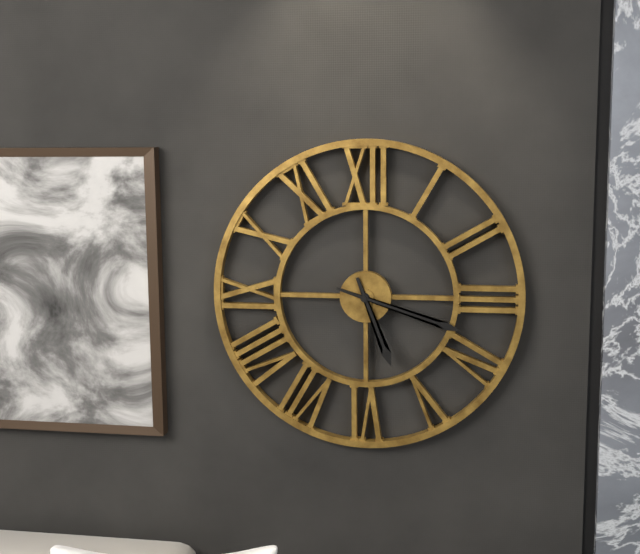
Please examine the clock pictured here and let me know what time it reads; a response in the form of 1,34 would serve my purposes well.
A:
5,18
